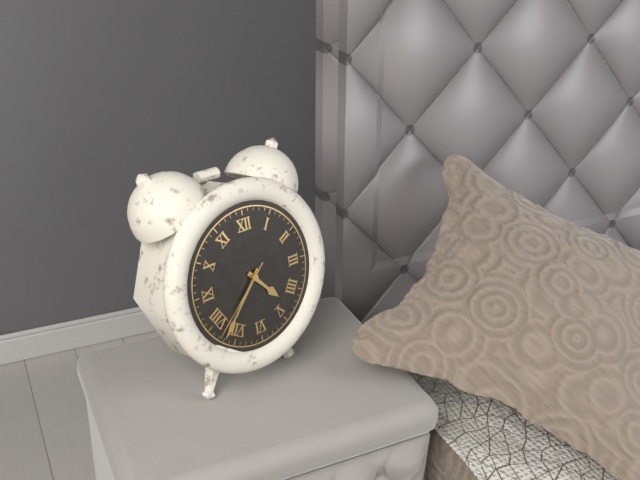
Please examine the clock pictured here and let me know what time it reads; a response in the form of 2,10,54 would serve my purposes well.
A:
4,37,38
